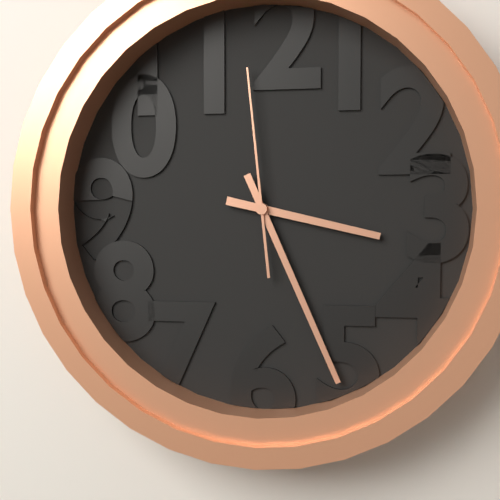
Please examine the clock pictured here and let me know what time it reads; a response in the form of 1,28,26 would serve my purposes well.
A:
3,26,59
